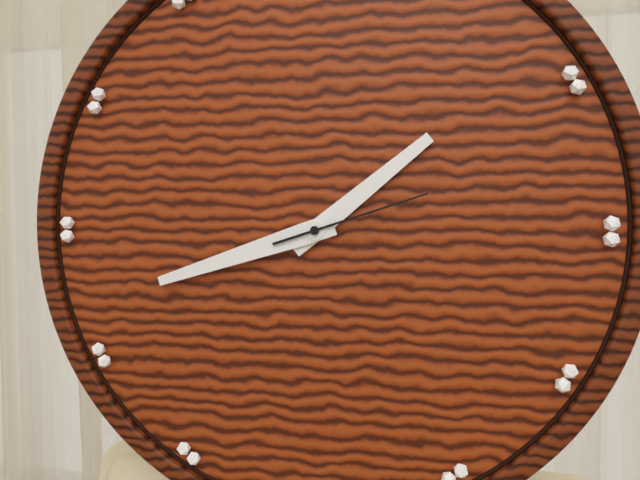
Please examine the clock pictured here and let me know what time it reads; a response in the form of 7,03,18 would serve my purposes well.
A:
1,42,12
